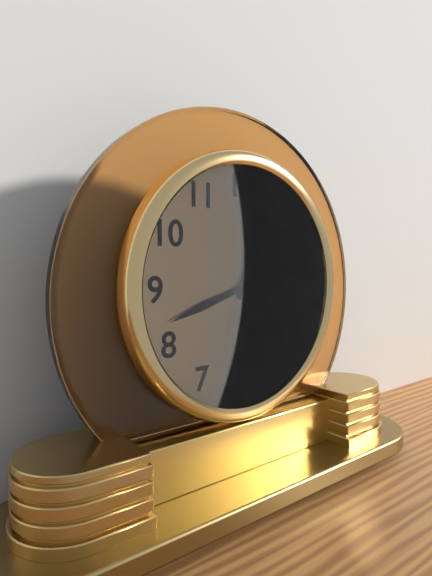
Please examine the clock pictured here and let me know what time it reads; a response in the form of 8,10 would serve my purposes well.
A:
12,42
